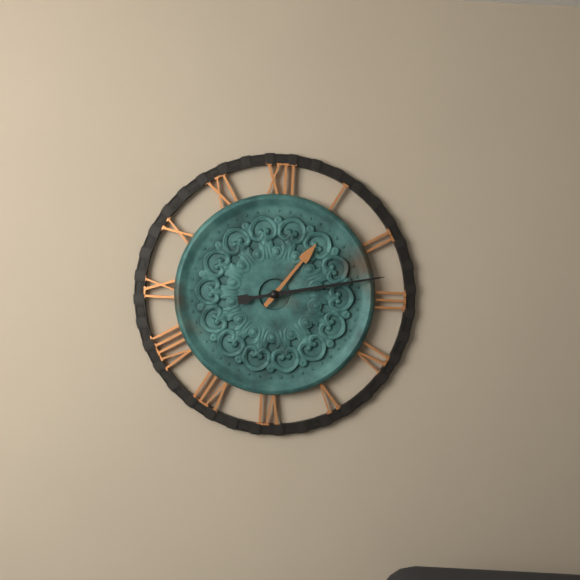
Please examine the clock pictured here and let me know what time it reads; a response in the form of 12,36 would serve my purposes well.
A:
1,13
